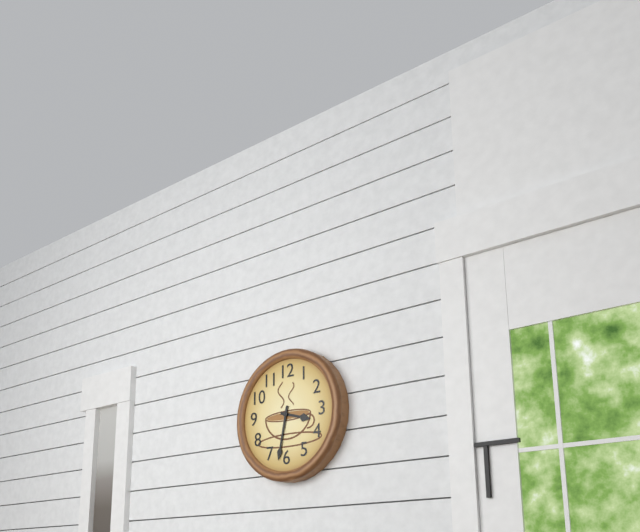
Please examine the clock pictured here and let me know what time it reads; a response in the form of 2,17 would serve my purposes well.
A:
3,32
